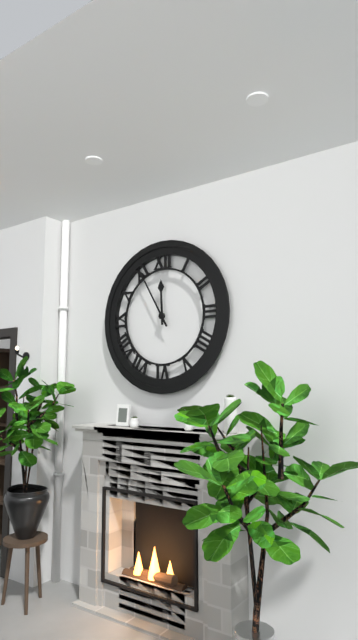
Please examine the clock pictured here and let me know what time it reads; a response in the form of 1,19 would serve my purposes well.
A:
11,55
